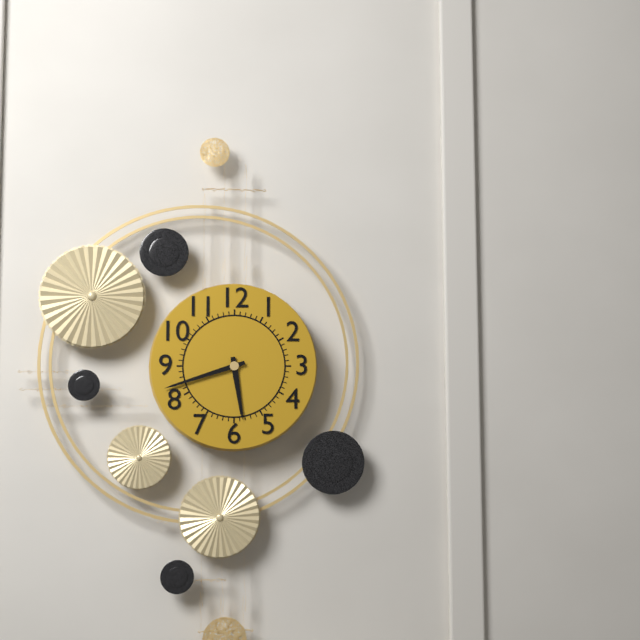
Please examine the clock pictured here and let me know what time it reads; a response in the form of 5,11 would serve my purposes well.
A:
5,42
